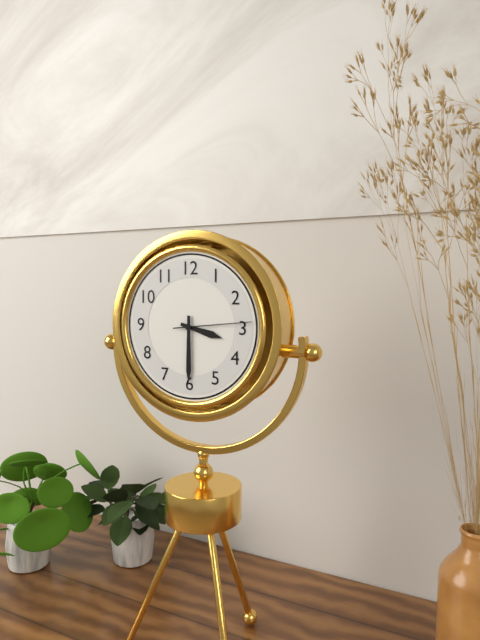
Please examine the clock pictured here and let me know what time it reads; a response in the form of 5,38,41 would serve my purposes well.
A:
3,30,14
